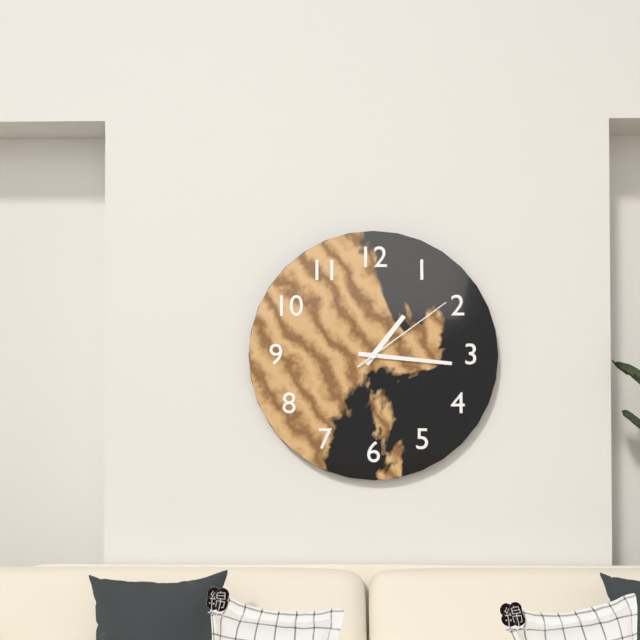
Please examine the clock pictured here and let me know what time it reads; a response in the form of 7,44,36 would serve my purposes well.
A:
1,16,09
